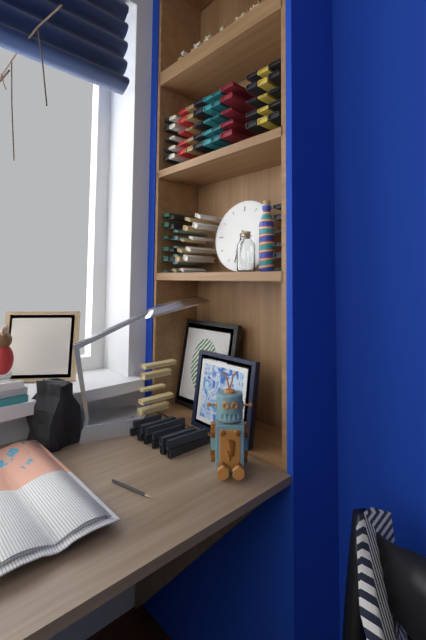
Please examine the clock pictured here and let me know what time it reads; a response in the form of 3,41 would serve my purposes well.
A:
6,32
